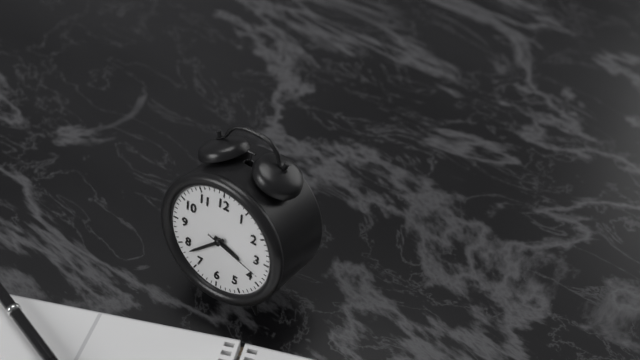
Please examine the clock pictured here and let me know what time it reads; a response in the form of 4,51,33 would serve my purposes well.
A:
3,38,18
